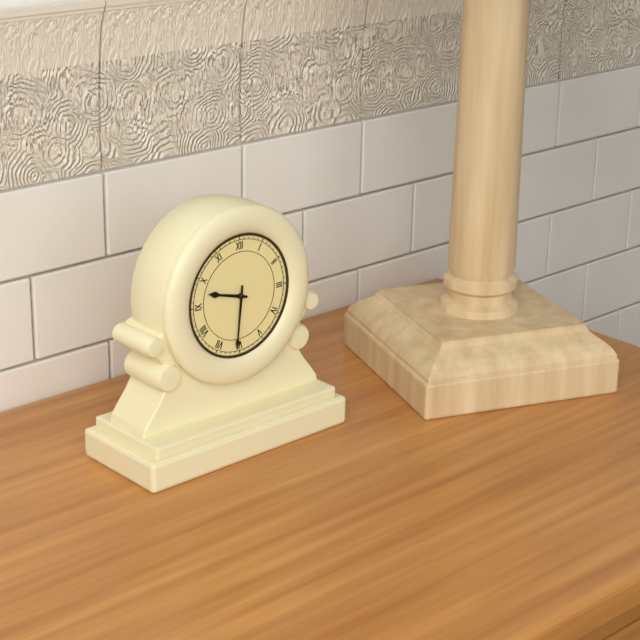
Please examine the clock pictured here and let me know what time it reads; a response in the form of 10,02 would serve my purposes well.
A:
9,31
